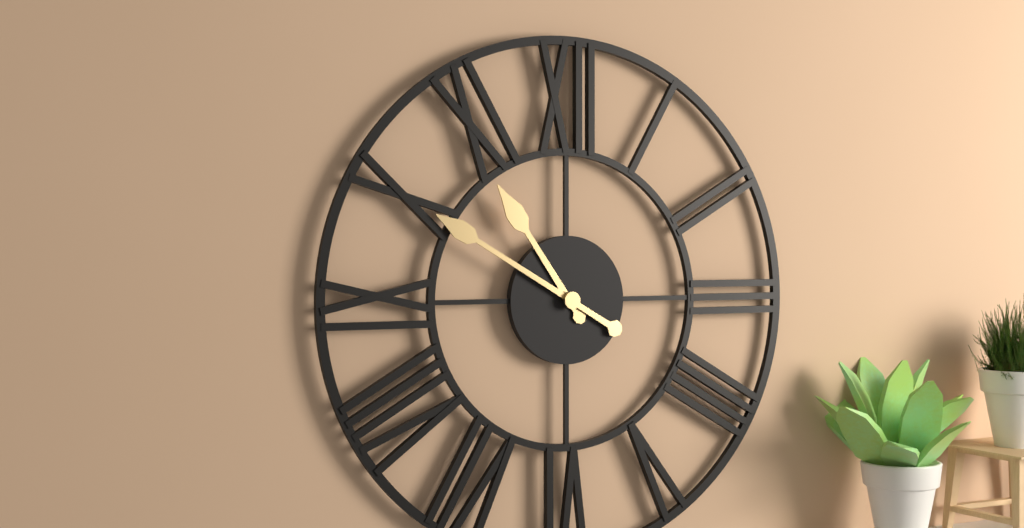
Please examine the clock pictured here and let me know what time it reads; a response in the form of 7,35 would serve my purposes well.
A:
10,50
